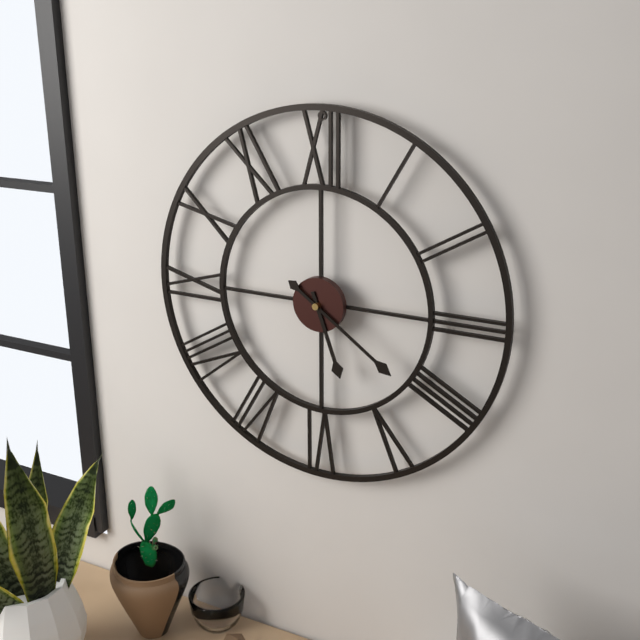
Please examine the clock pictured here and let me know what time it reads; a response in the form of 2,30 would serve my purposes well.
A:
5,21
